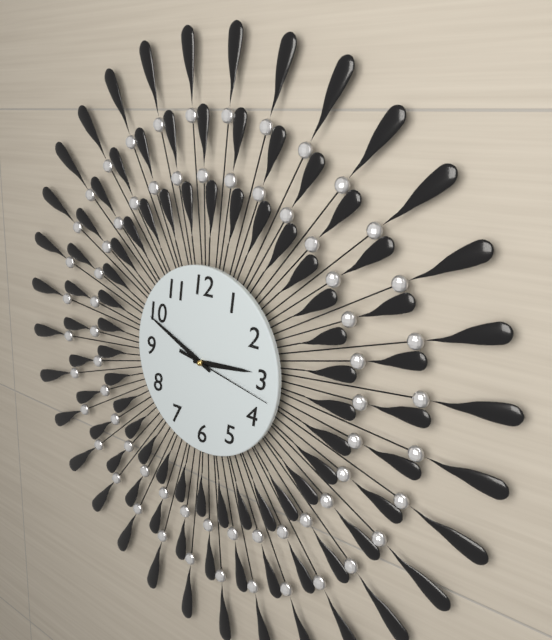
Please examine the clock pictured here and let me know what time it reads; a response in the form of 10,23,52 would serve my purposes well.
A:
2,49,17
